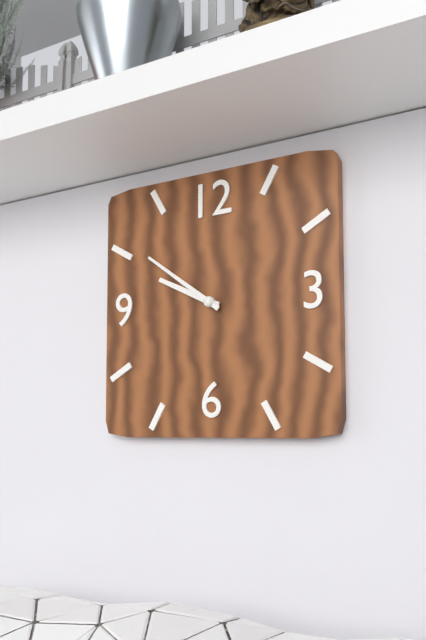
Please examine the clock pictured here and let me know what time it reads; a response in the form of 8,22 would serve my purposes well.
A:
9,51
